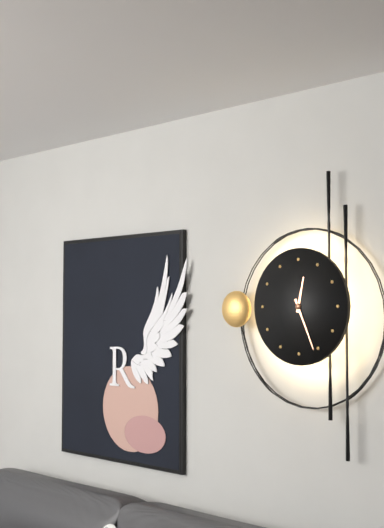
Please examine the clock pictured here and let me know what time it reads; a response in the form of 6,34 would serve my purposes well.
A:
12,26
